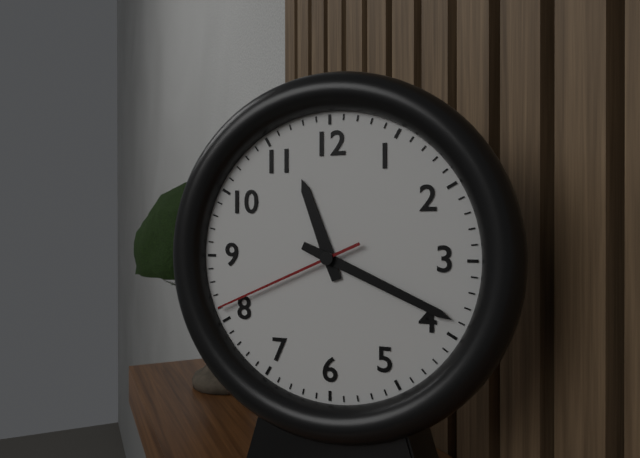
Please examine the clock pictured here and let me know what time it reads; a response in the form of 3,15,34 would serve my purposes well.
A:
11,19,41
